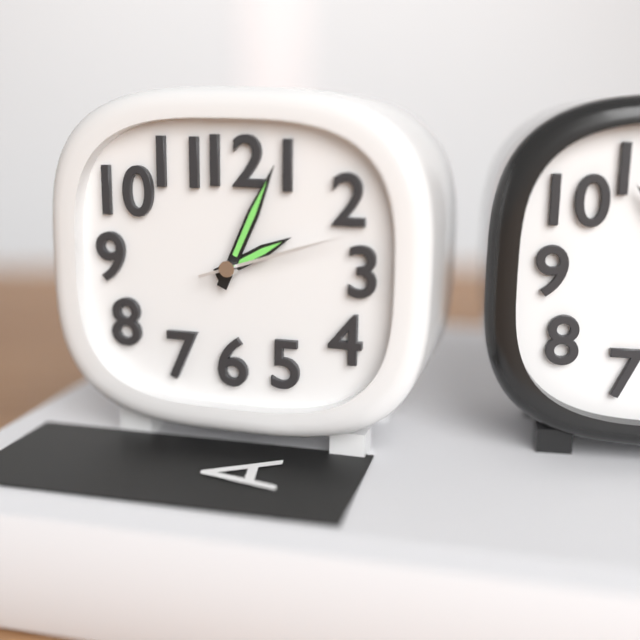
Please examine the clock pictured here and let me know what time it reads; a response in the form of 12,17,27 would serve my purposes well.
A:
2,04,12
